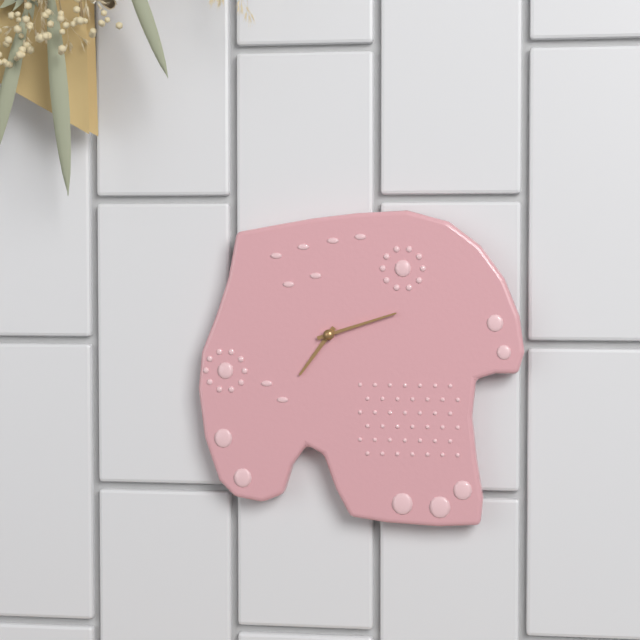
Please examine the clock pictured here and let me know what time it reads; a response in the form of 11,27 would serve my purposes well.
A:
7,12
